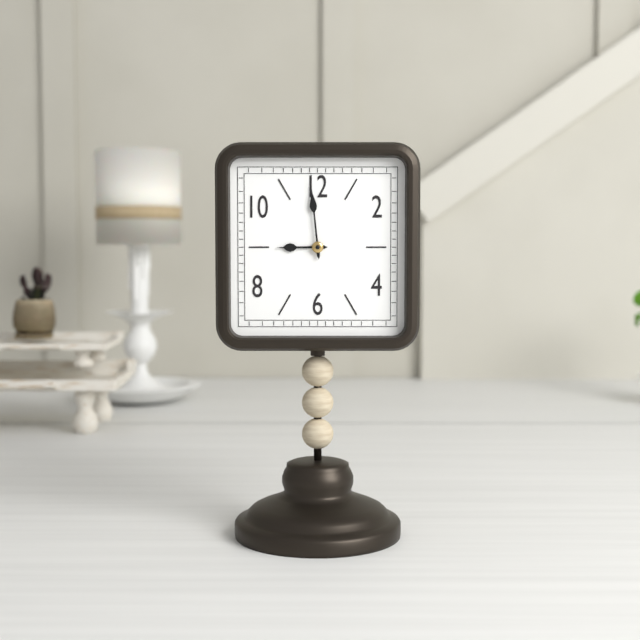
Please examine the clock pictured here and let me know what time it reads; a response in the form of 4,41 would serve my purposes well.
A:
8,59
